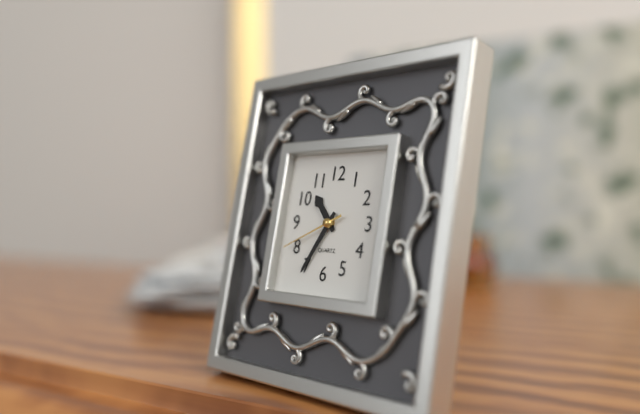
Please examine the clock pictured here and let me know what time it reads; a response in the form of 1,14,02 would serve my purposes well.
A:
10,35,41
